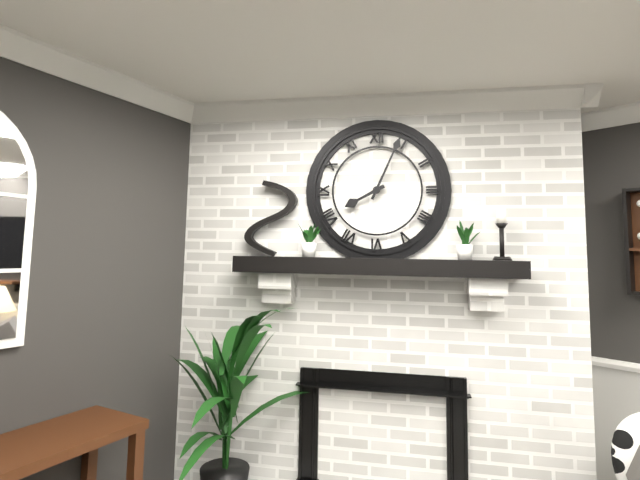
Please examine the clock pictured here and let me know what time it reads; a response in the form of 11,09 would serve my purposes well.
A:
8,04
